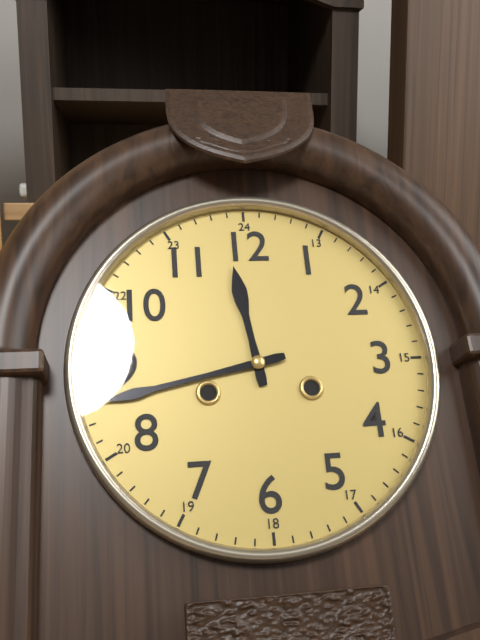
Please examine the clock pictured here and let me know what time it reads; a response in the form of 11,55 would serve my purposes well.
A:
11,43
